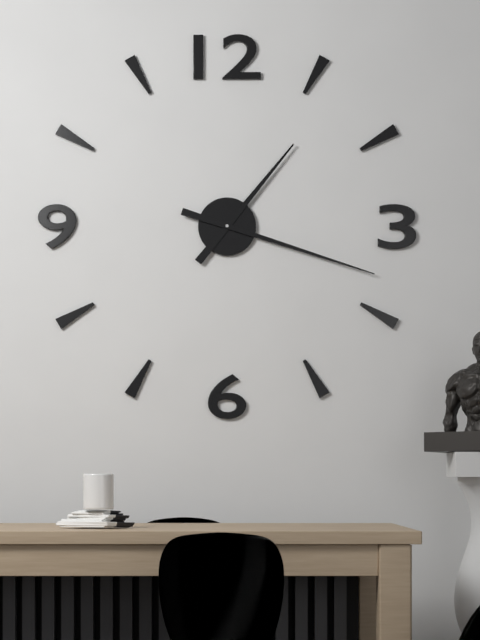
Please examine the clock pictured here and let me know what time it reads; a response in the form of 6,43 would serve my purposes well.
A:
1,18
